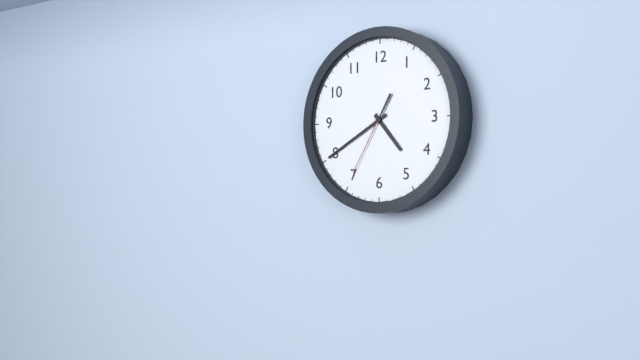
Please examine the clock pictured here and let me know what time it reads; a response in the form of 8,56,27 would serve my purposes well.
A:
4,40,35
